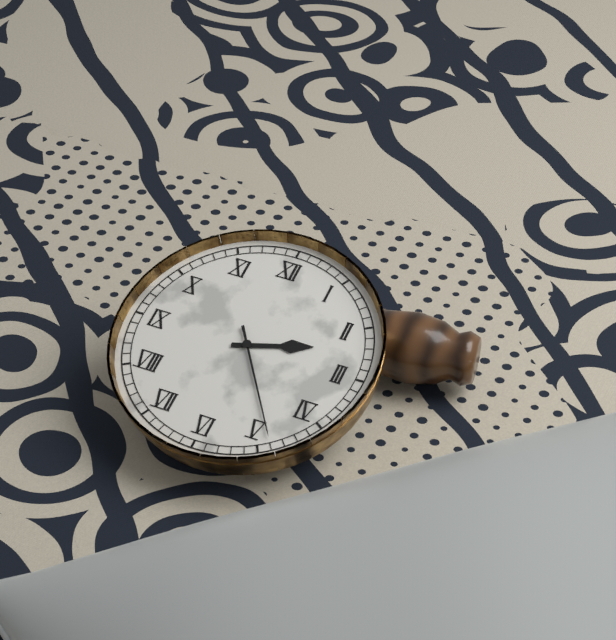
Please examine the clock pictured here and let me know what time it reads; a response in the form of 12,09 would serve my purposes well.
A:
2,24
